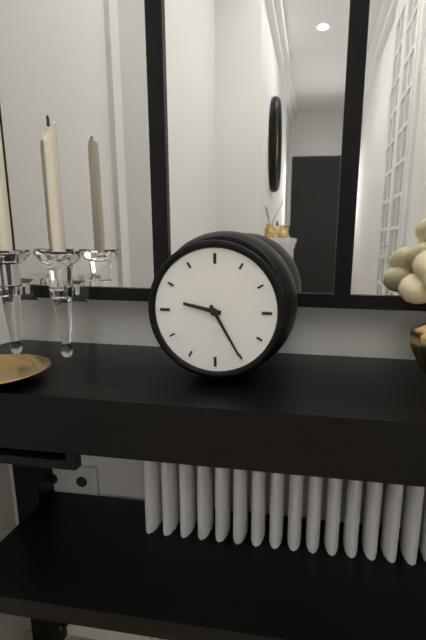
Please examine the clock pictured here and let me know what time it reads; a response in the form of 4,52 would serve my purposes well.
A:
9,25
